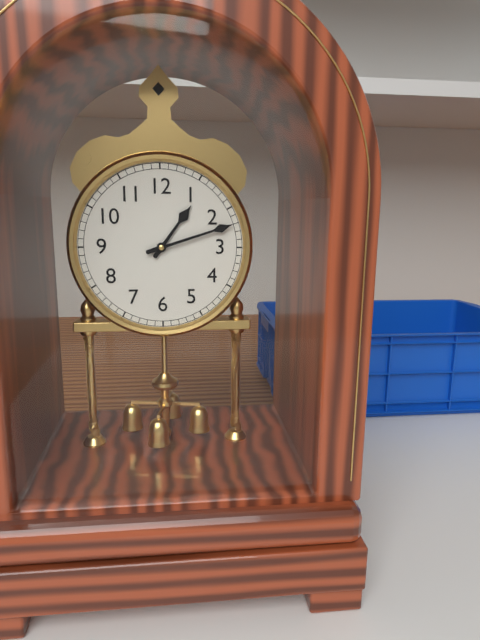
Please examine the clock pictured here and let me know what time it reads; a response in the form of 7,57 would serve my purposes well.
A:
1,12
